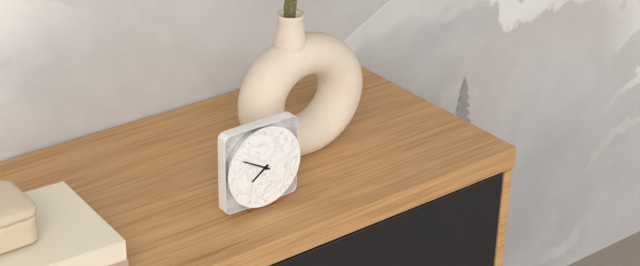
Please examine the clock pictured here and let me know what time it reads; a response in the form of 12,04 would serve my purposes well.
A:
7,50
